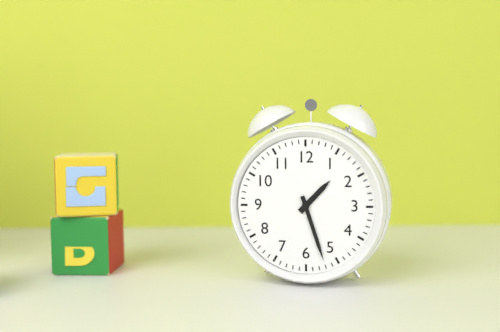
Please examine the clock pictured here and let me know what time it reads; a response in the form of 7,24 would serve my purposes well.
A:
1,27
